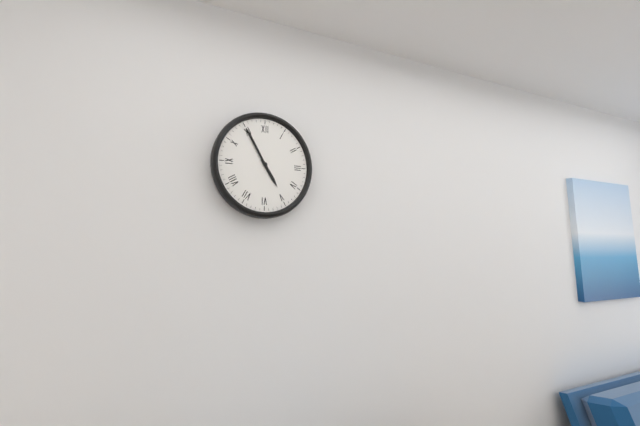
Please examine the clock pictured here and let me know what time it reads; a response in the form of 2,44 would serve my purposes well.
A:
4,55
